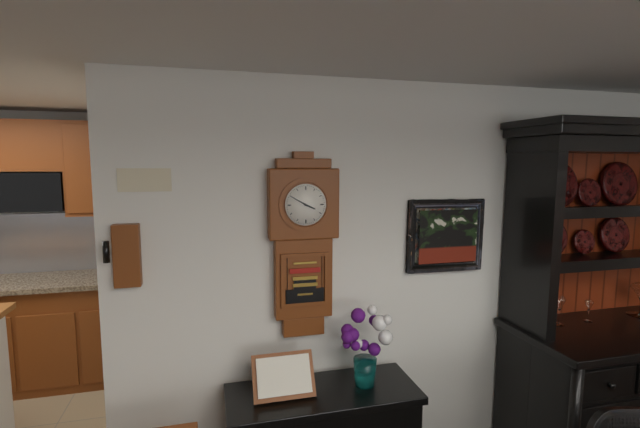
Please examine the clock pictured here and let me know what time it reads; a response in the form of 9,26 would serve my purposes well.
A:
3,50
